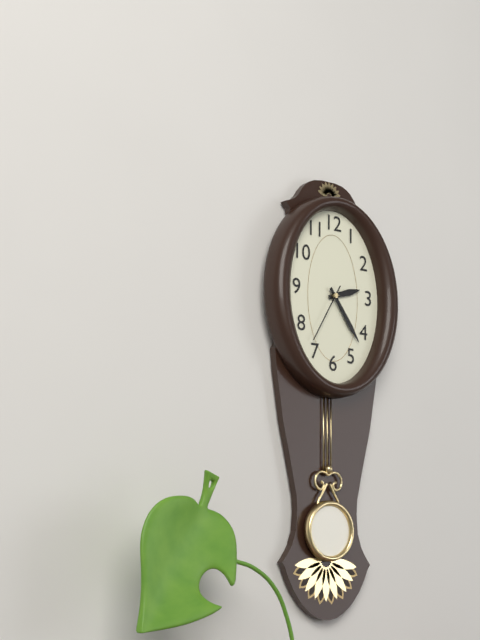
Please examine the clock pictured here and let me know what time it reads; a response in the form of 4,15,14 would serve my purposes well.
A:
2,24,35
